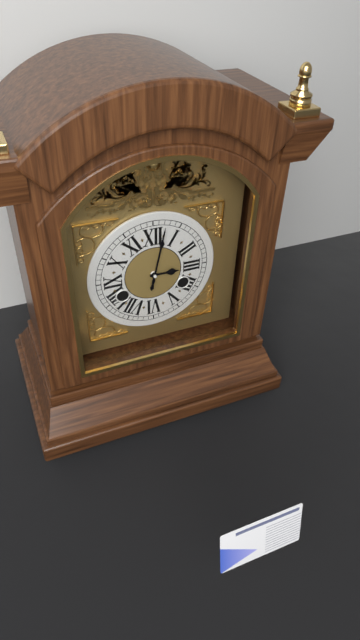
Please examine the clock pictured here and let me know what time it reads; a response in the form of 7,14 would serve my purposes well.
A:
3,02
